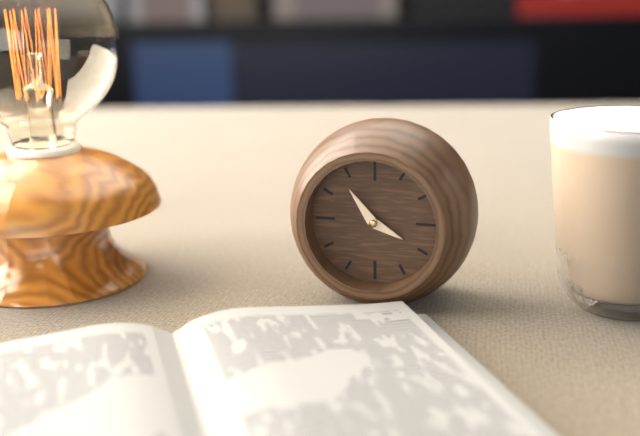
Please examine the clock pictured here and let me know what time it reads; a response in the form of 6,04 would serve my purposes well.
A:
3,54
